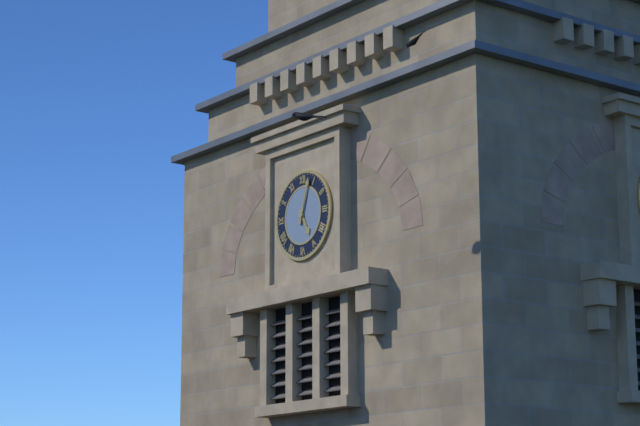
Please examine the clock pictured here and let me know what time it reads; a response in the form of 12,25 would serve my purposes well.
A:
5,03
